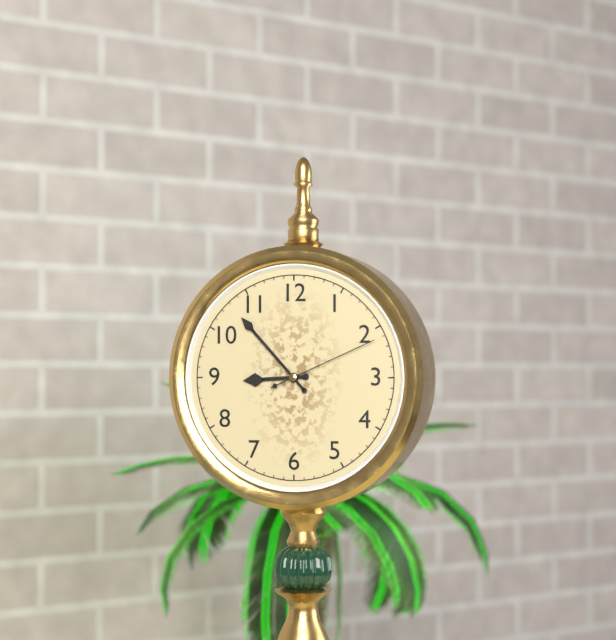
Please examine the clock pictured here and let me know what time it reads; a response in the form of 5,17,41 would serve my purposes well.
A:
8,53,11
